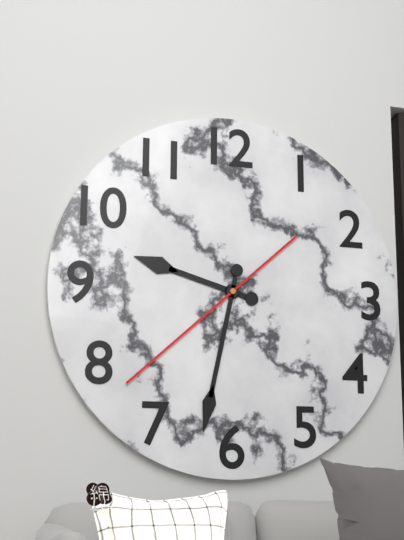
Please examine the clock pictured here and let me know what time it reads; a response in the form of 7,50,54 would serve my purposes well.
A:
9,32,38
